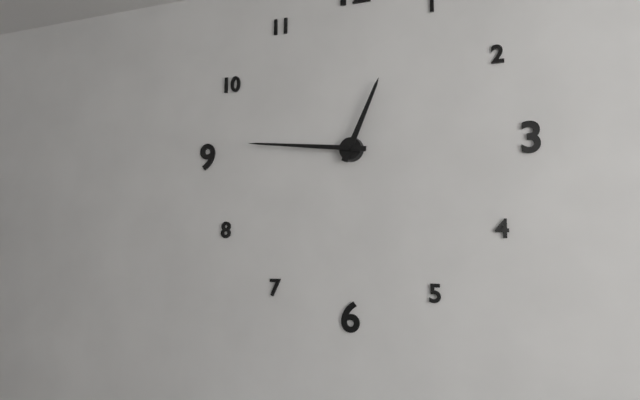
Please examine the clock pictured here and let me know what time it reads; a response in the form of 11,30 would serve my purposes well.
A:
12,46
